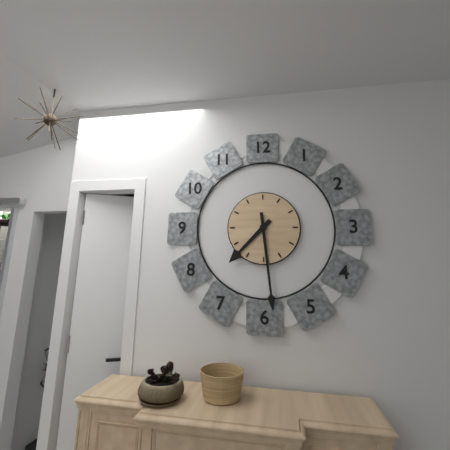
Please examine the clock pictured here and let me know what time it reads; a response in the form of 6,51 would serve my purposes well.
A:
7,29
